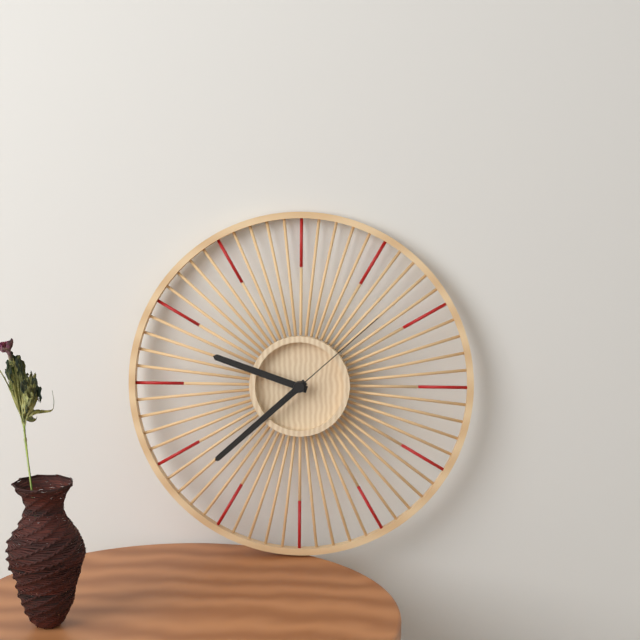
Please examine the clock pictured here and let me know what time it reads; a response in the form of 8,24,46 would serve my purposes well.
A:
9,38,08
